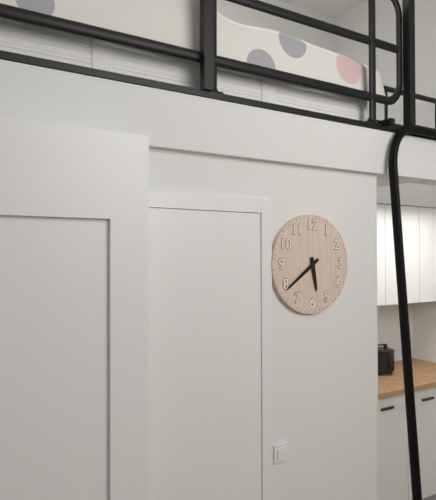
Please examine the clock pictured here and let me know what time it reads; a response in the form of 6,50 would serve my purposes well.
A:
5,39
